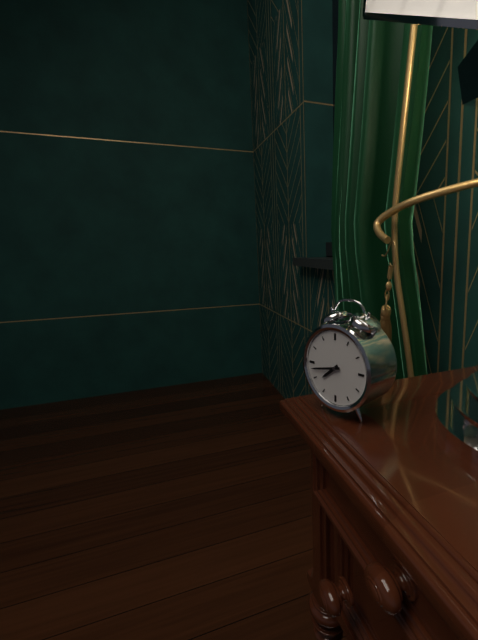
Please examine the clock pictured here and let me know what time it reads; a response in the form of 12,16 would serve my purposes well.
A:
7,43
